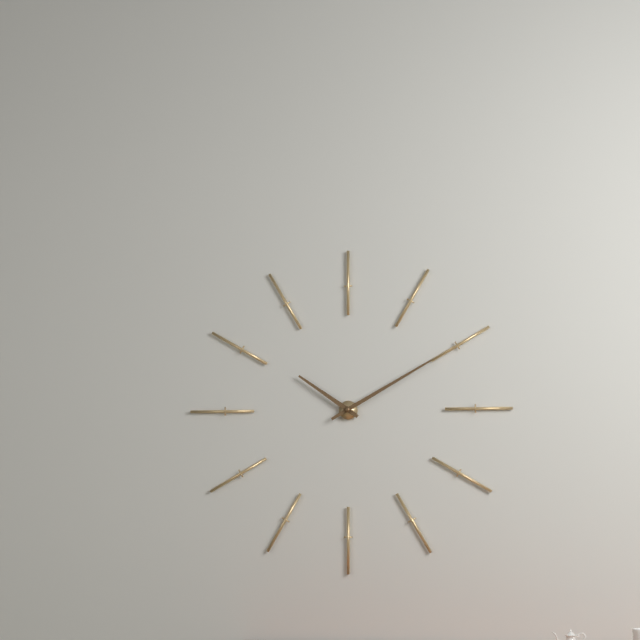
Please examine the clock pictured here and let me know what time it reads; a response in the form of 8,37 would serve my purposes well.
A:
10,10
